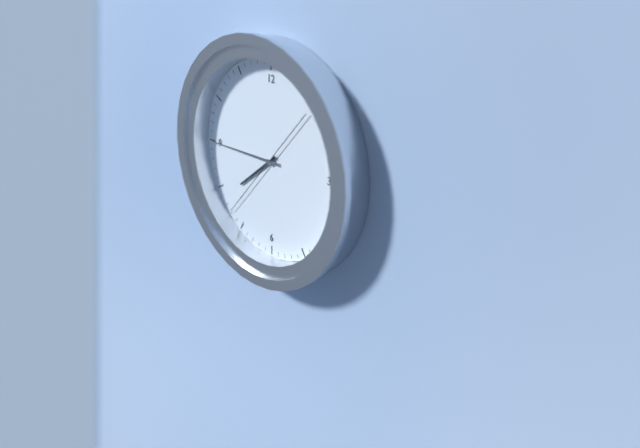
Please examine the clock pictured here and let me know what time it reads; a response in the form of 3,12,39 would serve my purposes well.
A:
7,45,37
